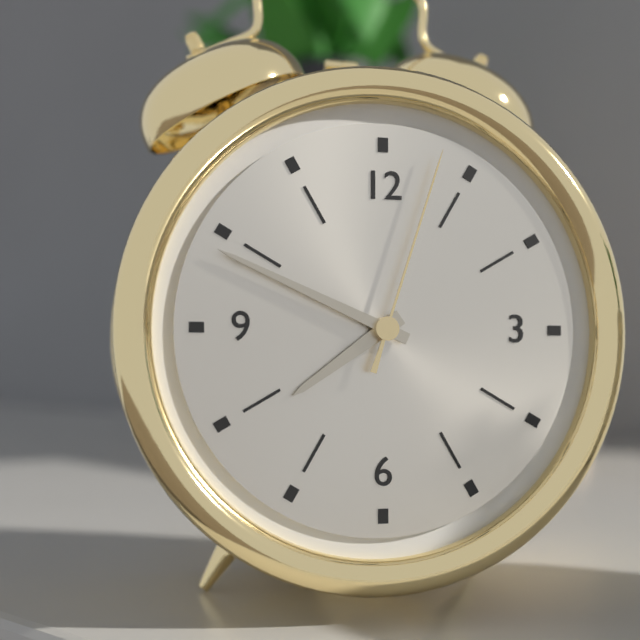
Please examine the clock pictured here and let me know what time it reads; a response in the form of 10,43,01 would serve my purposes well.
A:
7,49,03
